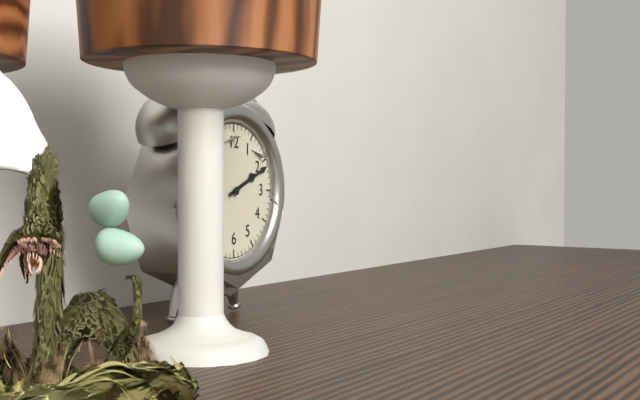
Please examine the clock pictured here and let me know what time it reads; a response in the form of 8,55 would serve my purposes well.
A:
2,11
